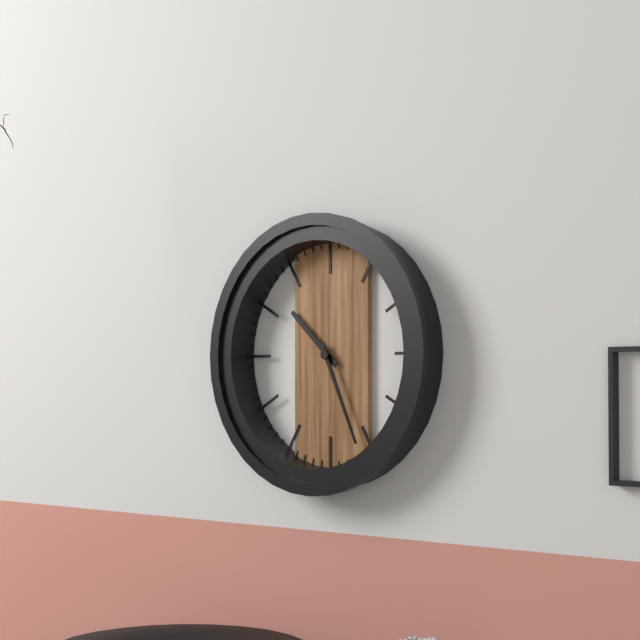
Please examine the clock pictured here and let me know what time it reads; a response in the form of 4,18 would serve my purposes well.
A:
10,26
